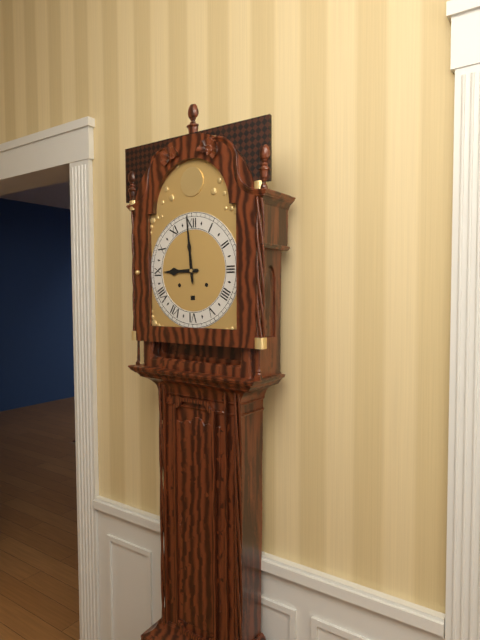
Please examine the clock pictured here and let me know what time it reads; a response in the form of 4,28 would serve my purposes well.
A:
8,59
